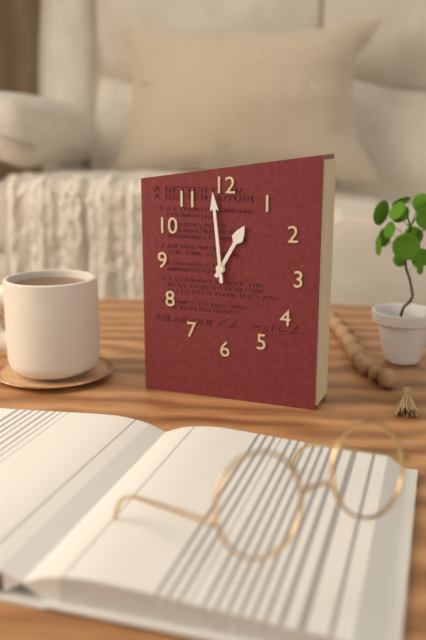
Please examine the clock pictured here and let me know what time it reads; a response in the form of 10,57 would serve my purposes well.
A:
12,59
